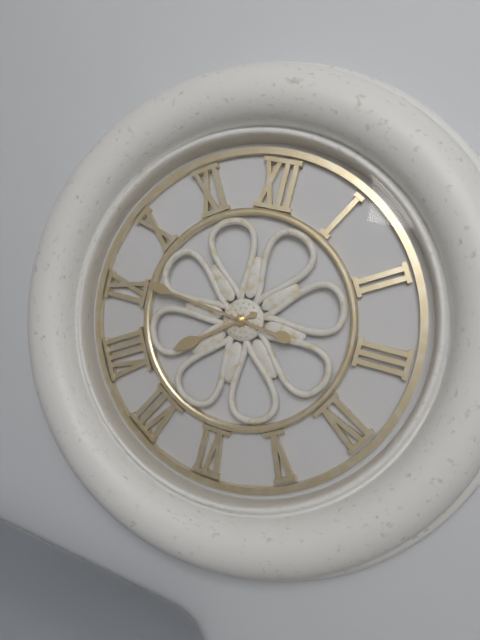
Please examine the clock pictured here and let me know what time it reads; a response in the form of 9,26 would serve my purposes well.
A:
7,46
